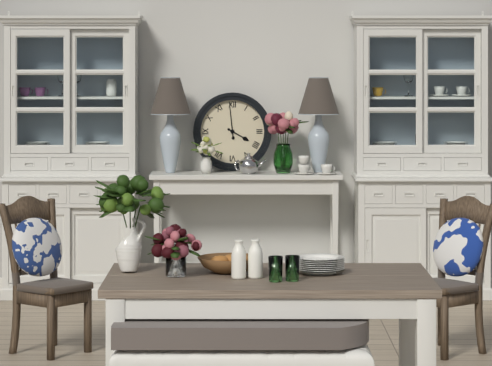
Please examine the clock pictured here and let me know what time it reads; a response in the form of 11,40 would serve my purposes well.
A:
3,59
